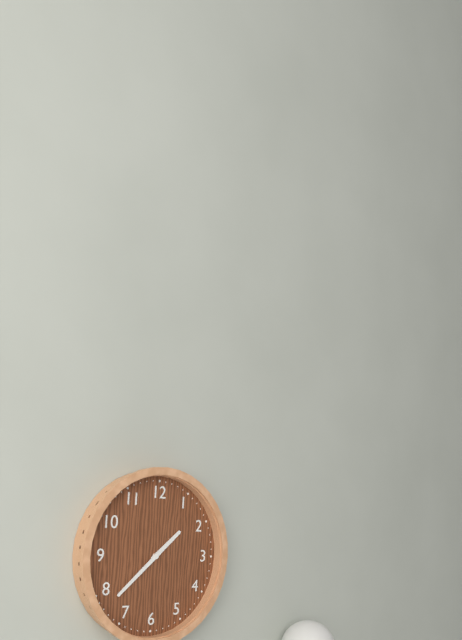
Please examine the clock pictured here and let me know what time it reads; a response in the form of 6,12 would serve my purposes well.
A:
1,38
